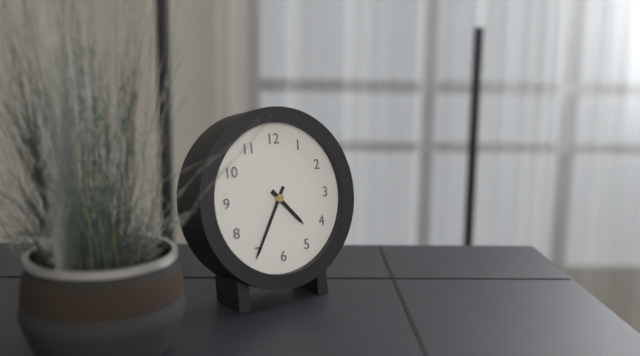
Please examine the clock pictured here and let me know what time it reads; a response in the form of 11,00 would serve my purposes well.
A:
4,35
